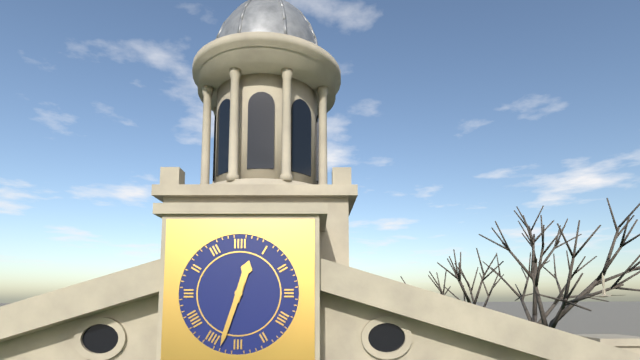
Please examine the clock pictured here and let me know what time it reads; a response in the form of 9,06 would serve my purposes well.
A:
12,33
